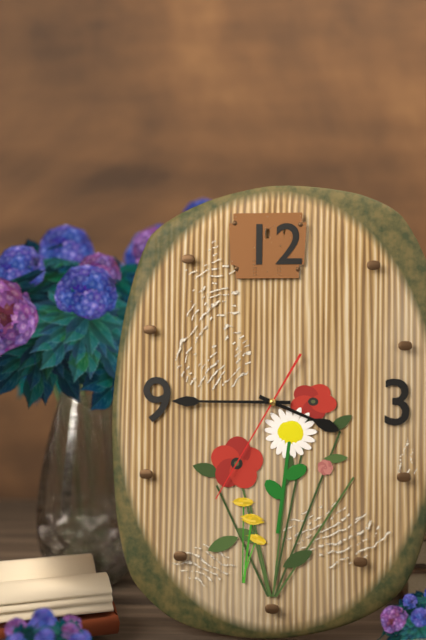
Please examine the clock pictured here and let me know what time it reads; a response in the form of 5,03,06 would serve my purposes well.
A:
3,45,35
